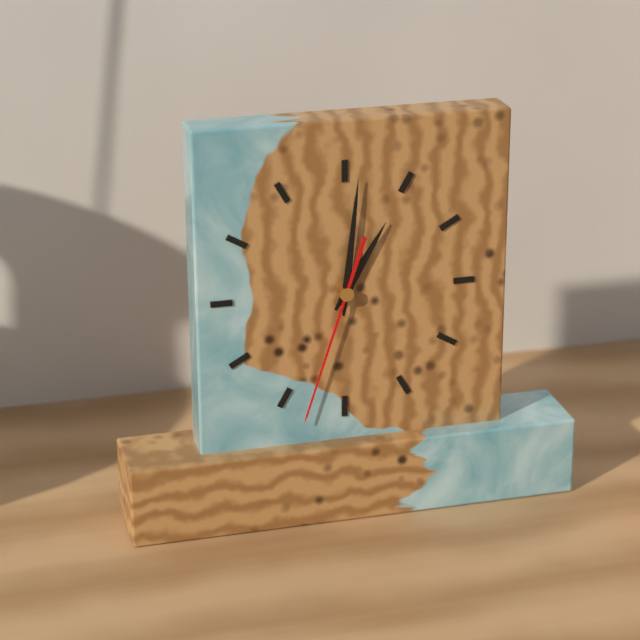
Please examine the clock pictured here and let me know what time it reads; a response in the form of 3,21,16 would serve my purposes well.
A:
1,01,33
